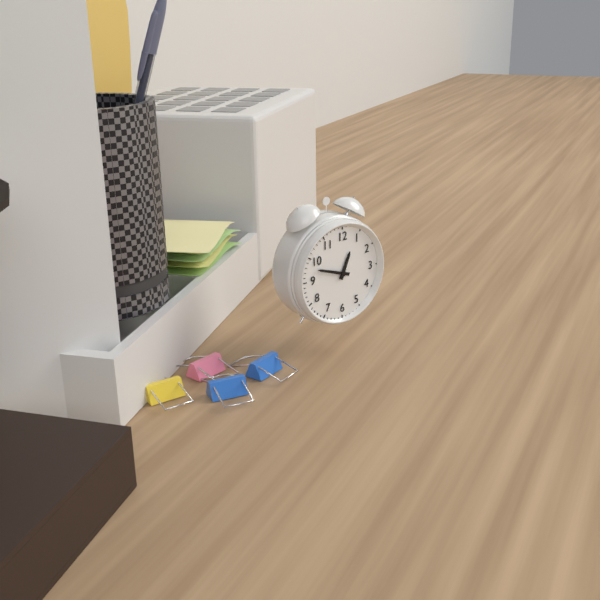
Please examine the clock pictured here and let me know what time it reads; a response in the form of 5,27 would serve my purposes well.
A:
12,48
